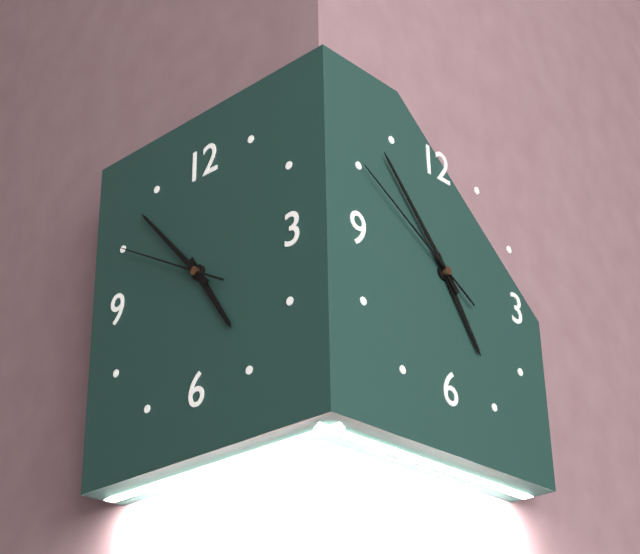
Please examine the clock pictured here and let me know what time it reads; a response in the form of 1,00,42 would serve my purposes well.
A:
4,53,50
